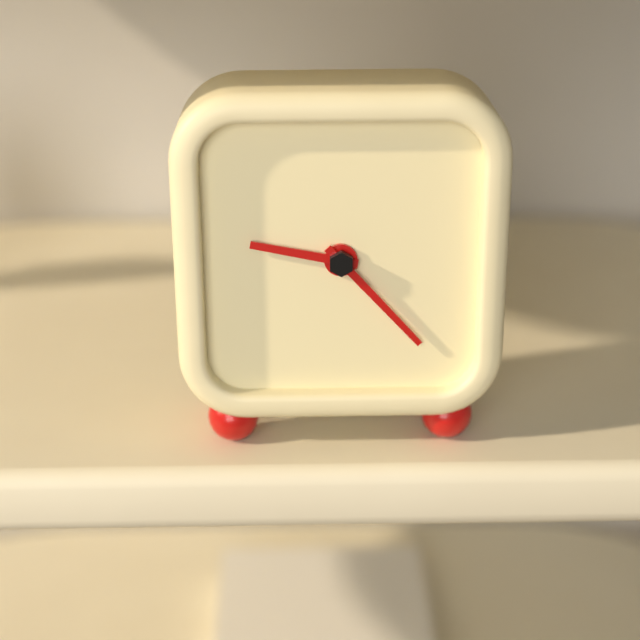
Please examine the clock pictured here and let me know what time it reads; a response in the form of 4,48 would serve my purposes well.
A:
9,23
